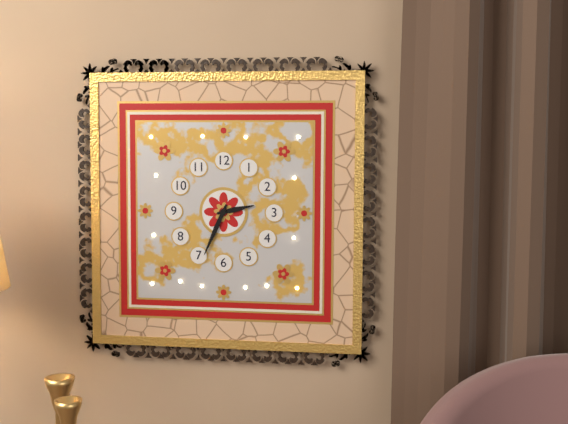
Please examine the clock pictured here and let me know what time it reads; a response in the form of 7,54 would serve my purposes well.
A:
2,34
